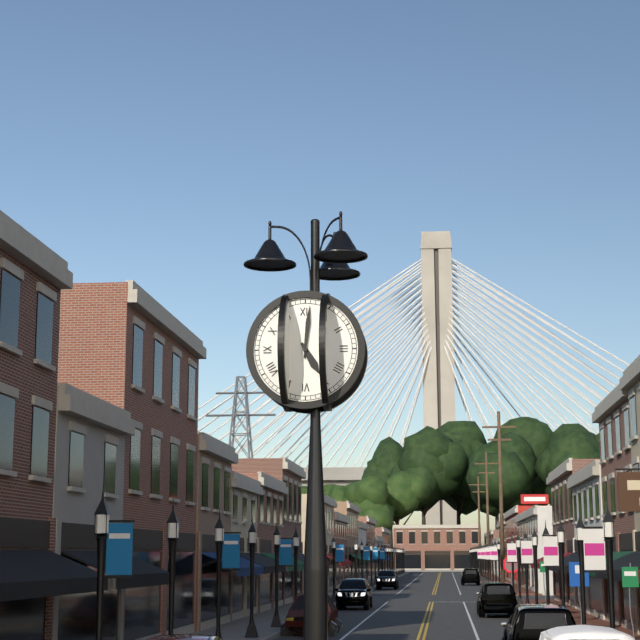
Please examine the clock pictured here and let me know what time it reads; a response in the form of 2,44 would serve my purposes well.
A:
5,01
